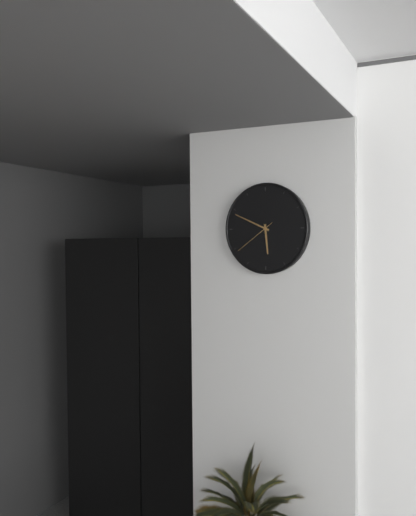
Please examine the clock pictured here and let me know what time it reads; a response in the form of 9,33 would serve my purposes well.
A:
5,49
